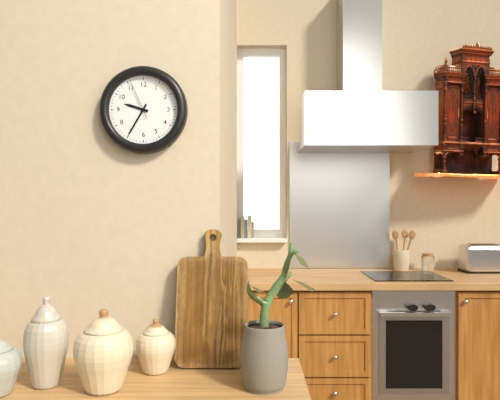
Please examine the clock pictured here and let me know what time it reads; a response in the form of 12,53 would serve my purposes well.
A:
9,35
